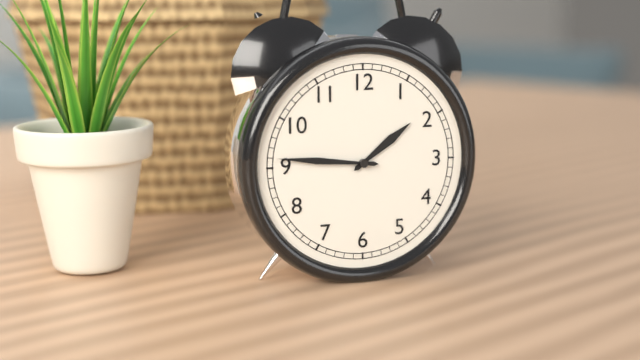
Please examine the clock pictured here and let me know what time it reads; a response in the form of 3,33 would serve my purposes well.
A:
1,46
